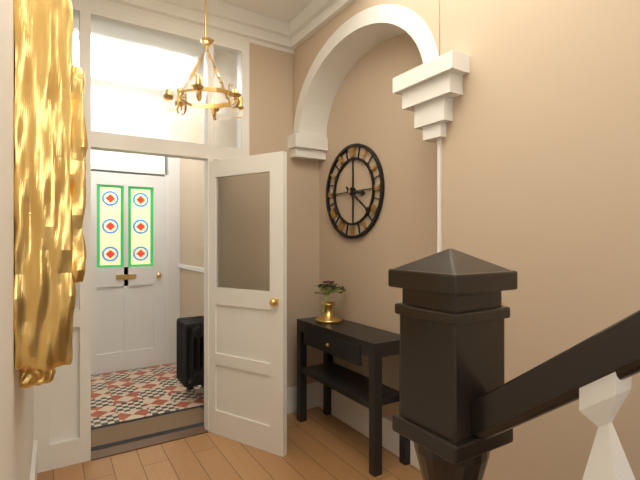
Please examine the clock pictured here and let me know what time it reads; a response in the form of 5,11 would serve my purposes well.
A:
3,21
